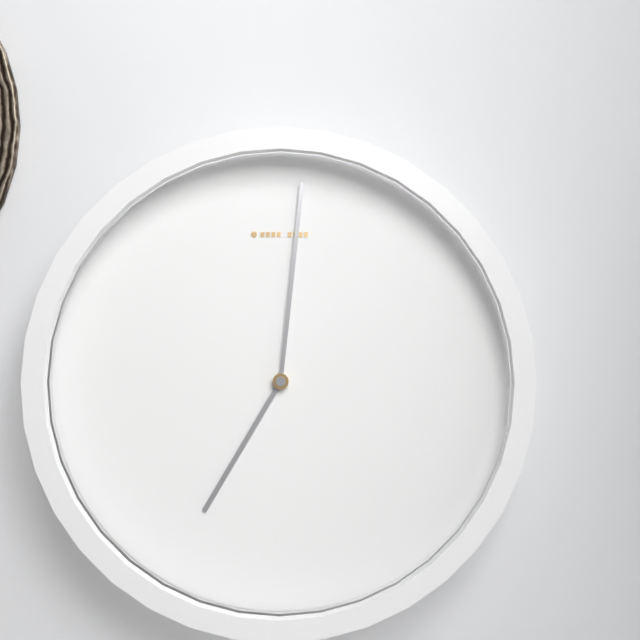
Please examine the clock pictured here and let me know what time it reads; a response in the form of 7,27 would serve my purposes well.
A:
7,01
